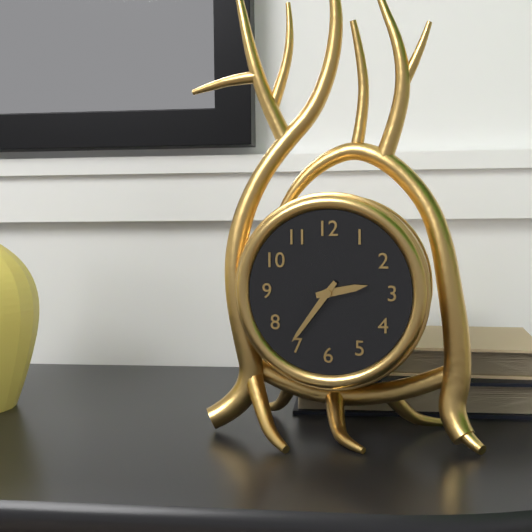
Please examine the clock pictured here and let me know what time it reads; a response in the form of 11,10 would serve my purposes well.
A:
2,36
